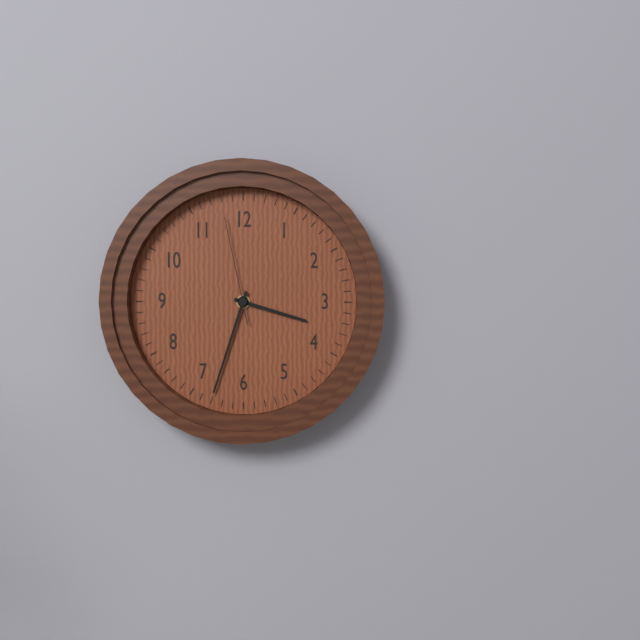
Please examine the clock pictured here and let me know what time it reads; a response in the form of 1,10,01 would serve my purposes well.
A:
3,33,58
